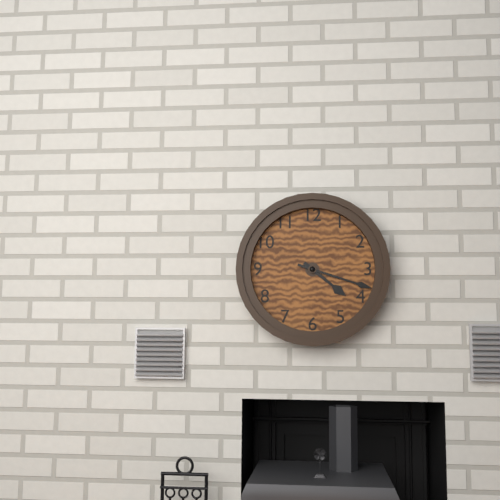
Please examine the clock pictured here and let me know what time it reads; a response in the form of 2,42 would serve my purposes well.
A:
4,18
